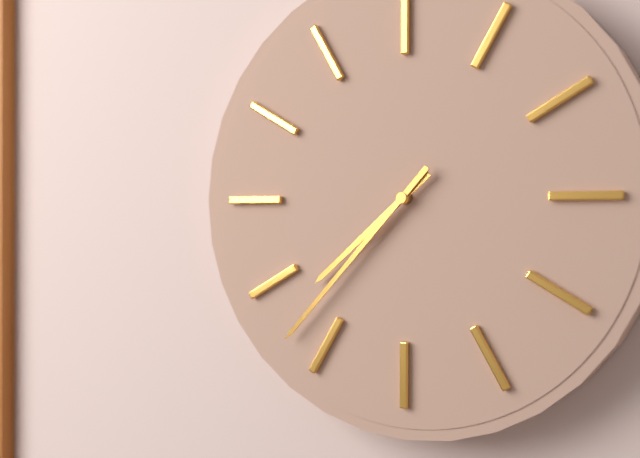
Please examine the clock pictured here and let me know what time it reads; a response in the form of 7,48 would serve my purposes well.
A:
7,37
